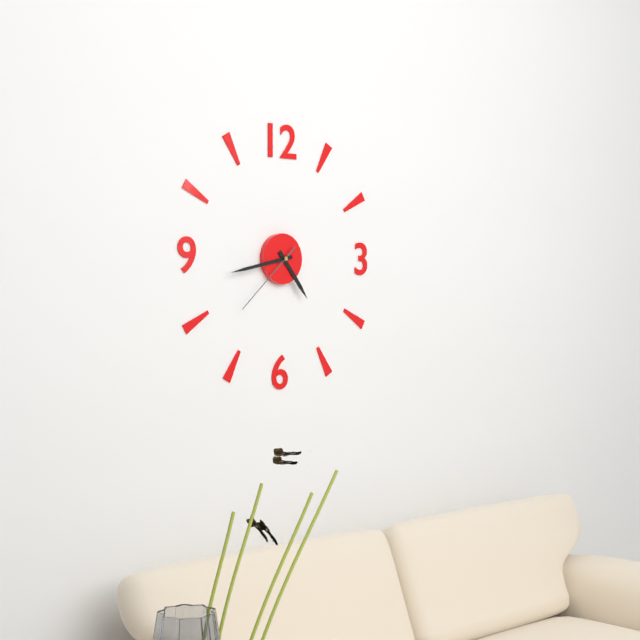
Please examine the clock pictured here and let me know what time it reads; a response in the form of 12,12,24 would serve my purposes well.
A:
4,43,38
